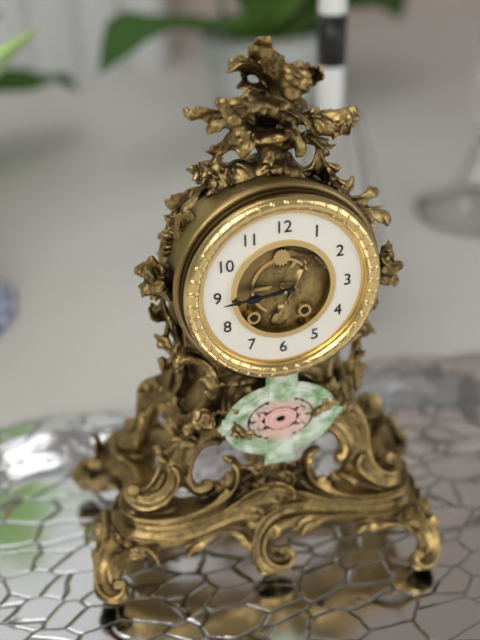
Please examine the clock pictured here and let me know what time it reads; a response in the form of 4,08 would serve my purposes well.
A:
8,44
